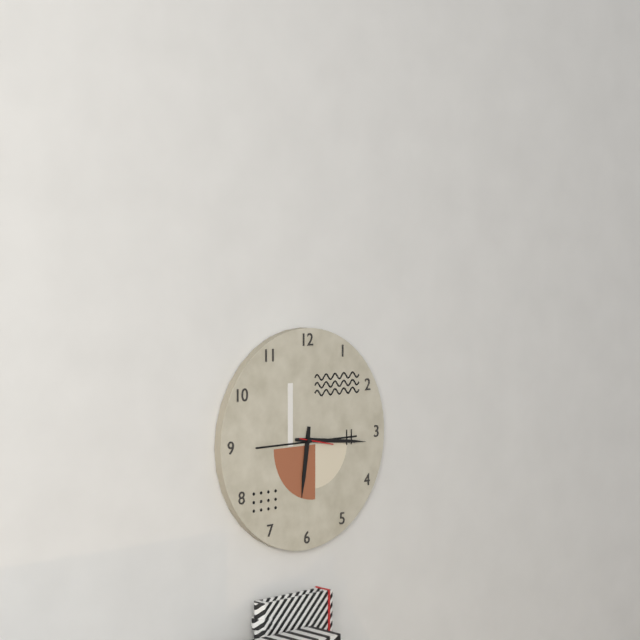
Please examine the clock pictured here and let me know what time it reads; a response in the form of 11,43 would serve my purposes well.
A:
6,16
